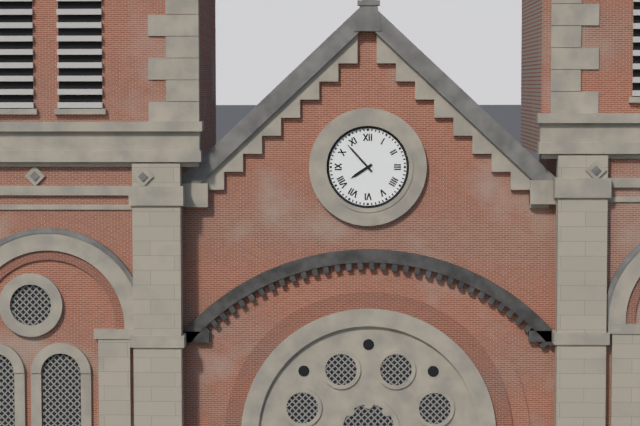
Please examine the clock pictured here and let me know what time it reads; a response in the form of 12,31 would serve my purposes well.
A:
7,53
